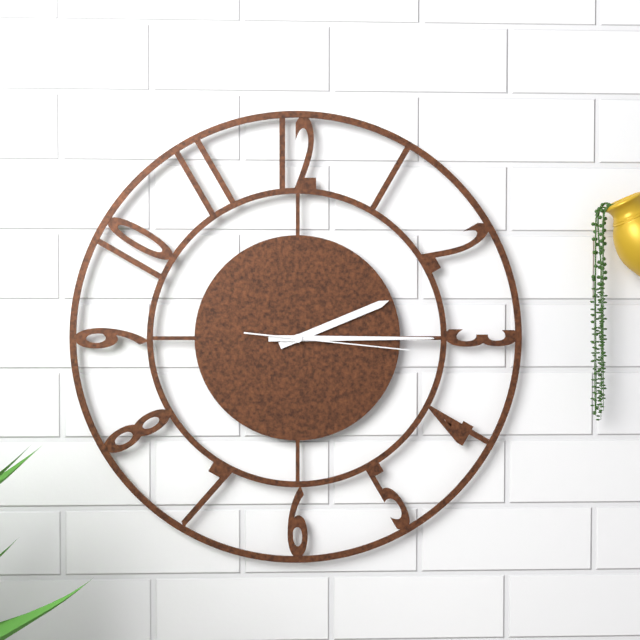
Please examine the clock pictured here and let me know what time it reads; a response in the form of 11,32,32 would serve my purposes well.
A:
2,15,16
